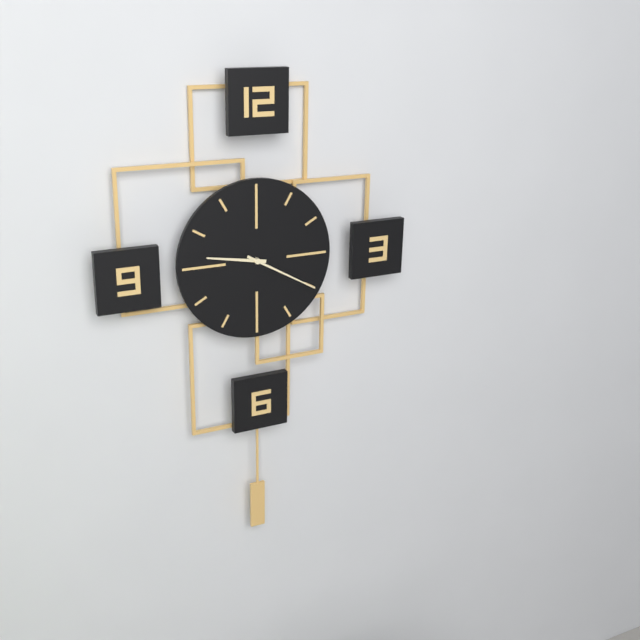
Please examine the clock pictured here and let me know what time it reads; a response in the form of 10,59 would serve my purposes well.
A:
9,20
